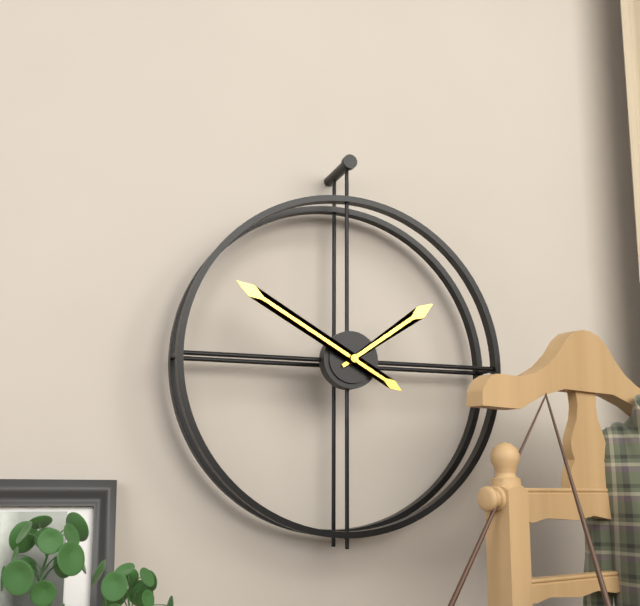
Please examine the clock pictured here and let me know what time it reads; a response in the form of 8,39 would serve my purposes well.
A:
1,50
